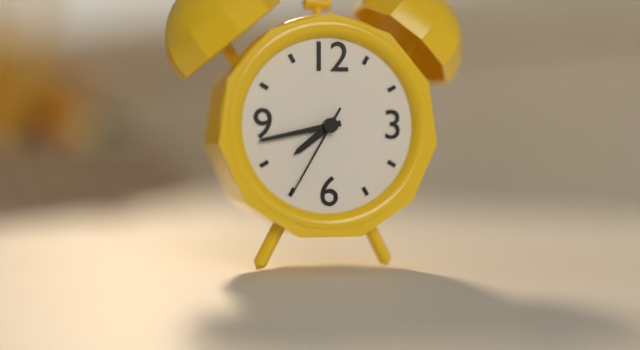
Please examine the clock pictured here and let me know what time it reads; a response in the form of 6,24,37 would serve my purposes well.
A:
7,43,35
